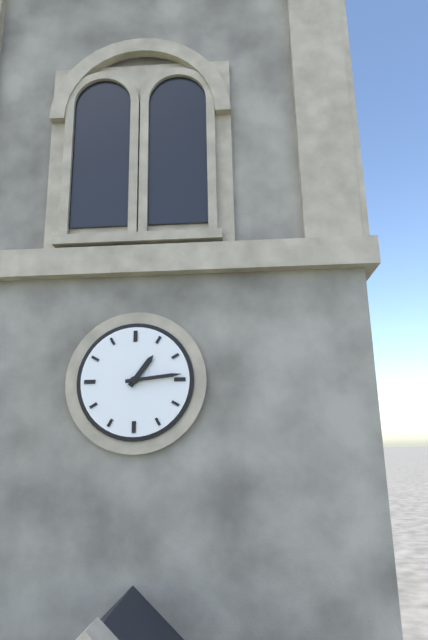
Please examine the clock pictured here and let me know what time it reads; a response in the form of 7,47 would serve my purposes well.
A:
1,14
